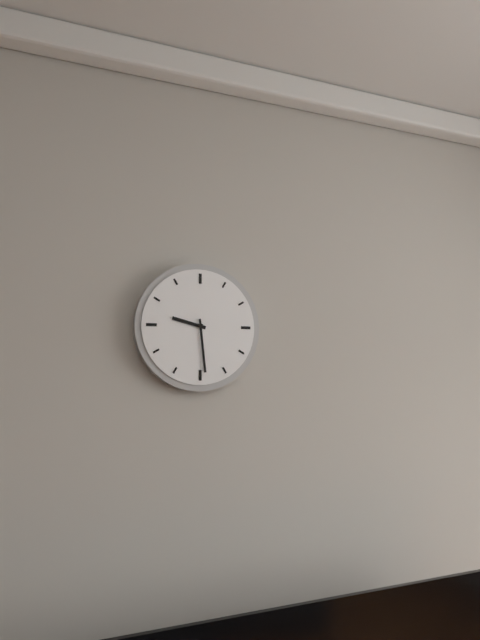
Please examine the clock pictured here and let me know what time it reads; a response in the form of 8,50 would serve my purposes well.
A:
9,29
